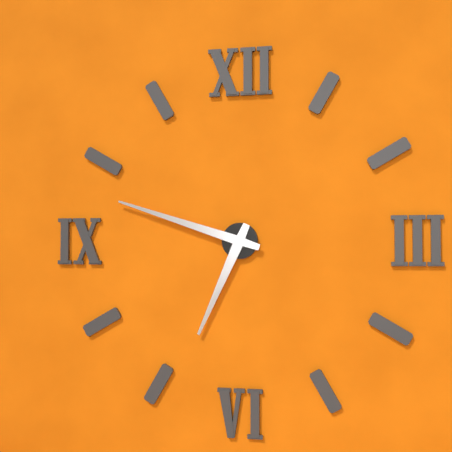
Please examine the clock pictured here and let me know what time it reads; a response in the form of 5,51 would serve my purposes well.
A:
6,48
